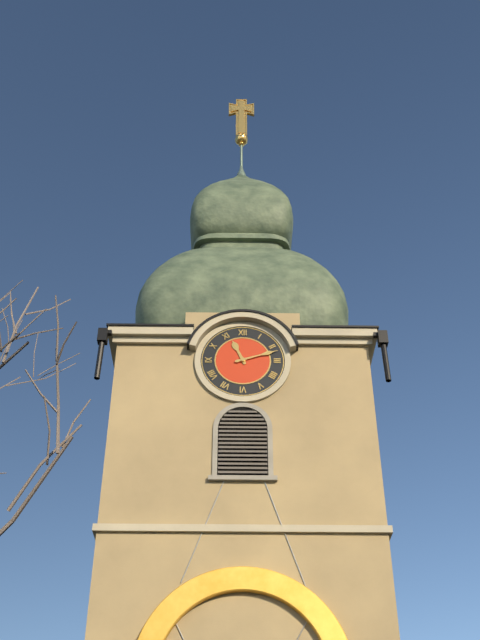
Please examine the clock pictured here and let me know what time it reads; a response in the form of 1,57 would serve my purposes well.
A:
11,12
